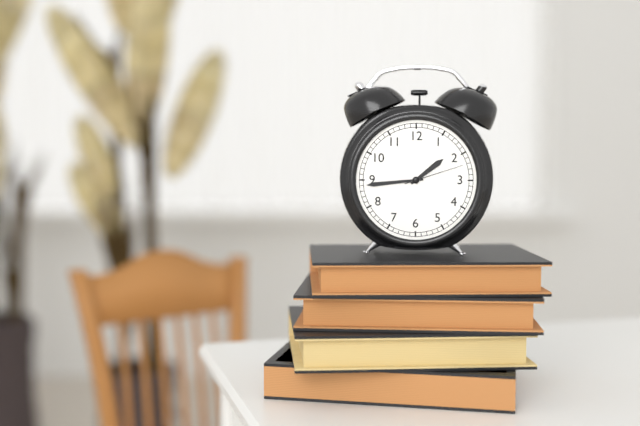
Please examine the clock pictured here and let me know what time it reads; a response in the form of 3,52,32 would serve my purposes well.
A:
1,44,12
